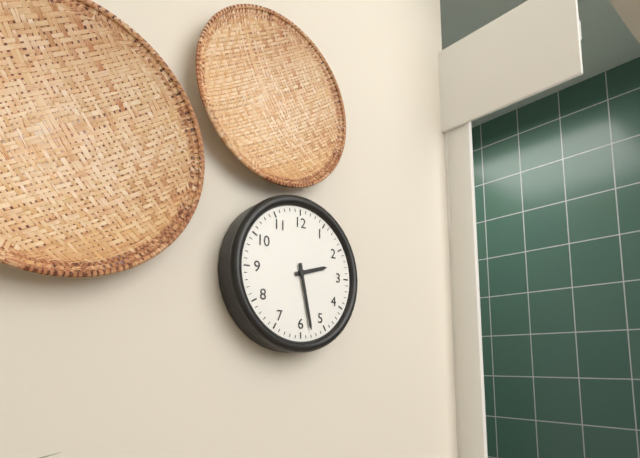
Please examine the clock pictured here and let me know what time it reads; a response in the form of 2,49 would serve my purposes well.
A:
2,28
